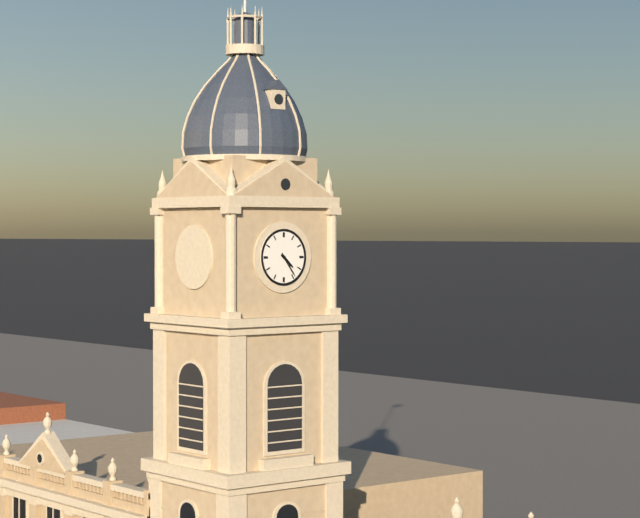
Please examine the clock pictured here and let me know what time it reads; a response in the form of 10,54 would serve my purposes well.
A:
4,24
